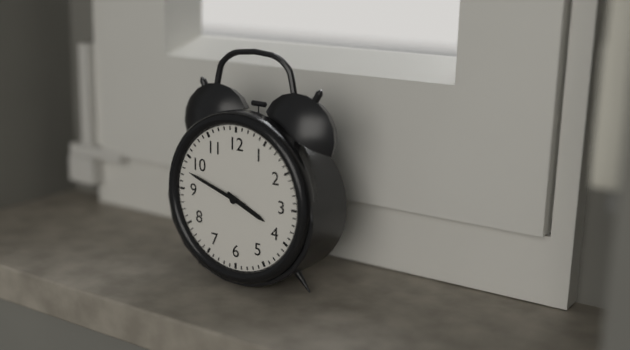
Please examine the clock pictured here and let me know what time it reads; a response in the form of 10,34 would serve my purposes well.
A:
3,48
